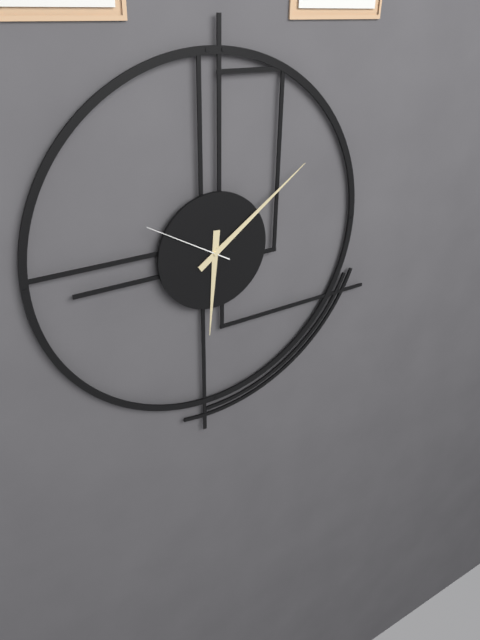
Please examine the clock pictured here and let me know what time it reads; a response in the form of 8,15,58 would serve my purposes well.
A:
6,09,50
